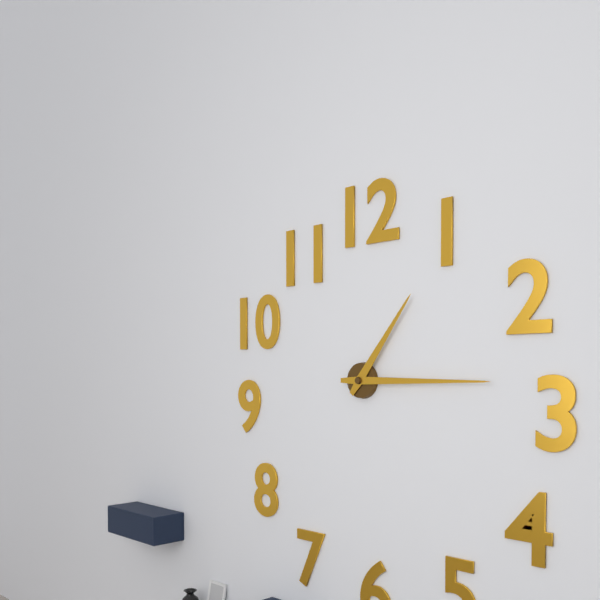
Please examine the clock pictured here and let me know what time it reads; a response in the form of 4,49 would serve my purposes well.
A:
1,15
